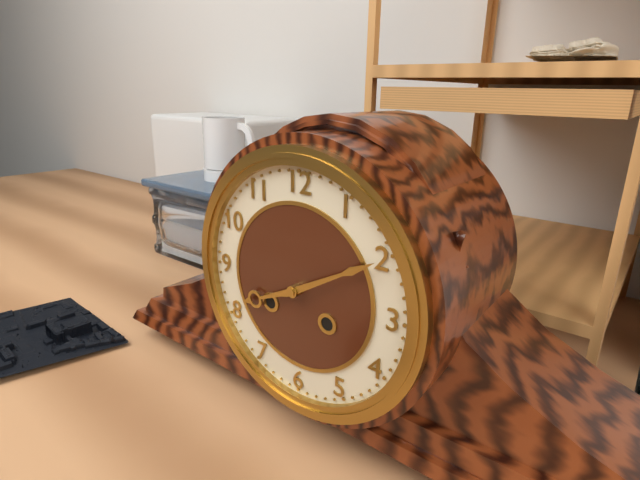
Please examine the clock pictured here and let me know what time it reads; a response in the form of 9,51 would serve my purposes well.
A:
8,10
